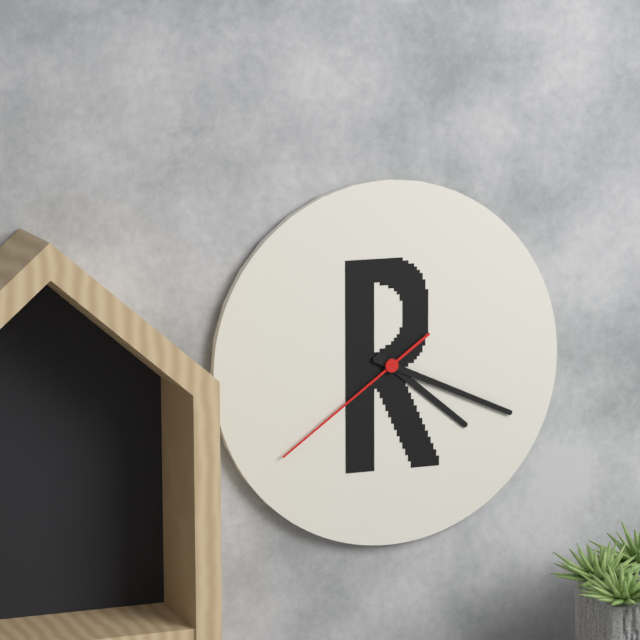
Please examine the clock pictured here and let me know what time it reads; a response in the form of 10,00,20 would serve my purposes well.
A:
4,19,39
